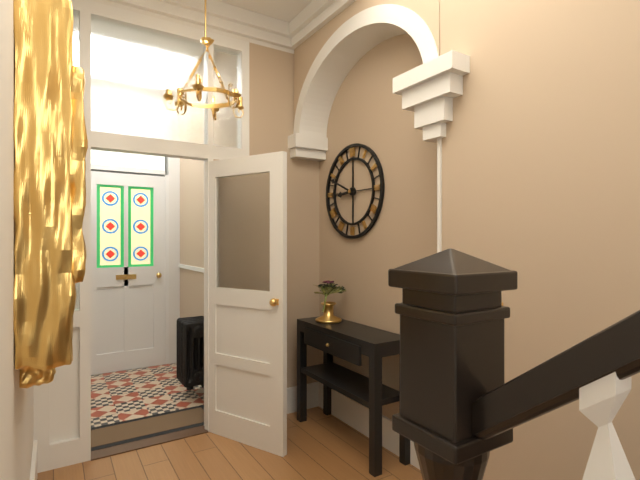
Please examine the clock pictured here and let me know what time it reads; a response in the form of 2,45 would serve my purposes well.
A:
8,49
